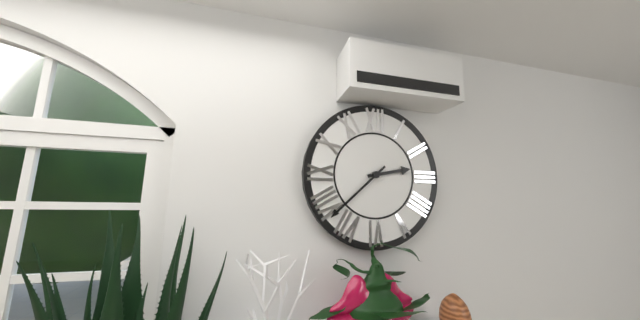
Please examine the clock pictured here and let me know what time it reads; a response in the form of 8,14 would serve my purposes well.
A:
2,38
